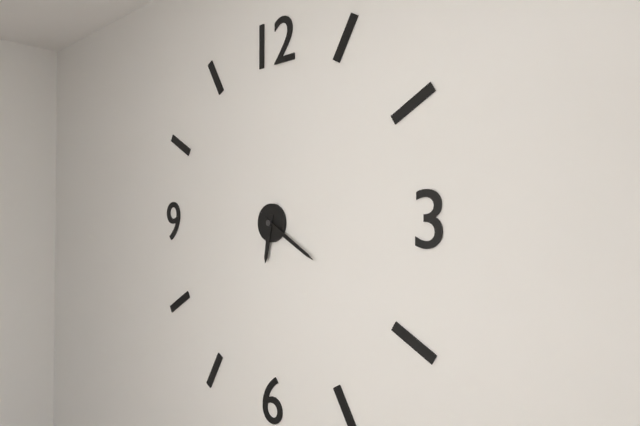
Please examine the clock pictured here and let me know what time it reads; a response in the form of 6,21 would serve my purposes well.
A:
6,20
